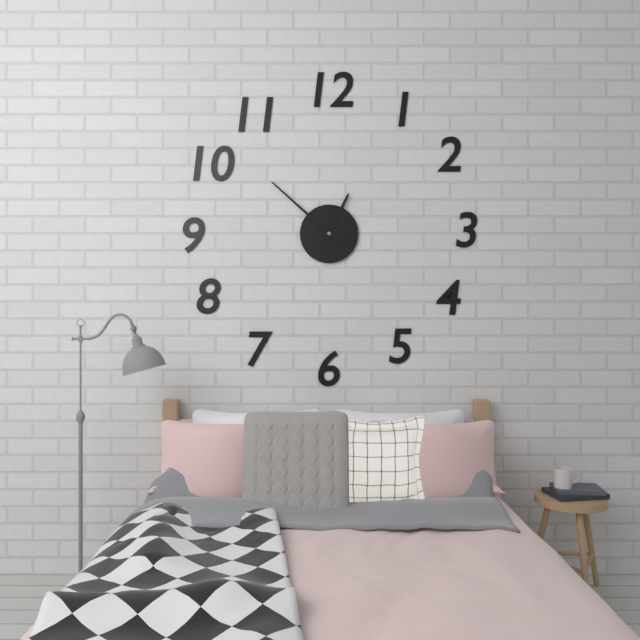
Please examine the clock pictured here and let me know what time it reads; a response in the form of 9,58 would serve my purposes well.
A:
12,52
